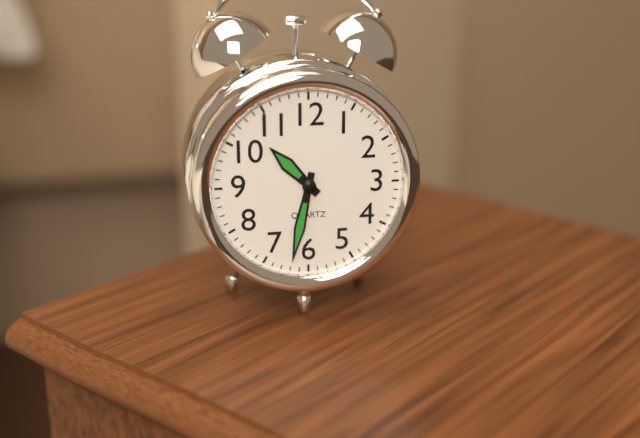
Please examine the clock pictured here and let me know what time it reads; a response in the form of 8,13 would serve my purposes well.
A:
10,32
